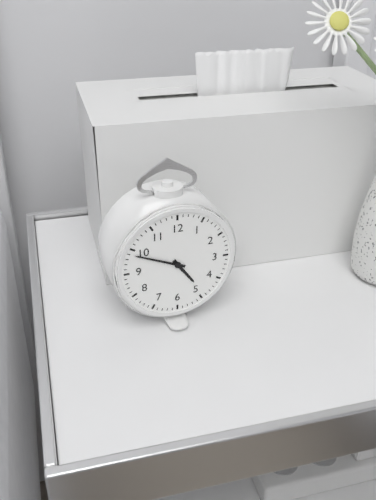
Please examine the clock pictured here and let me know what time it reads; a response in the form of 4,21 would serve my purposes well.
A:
4,49
